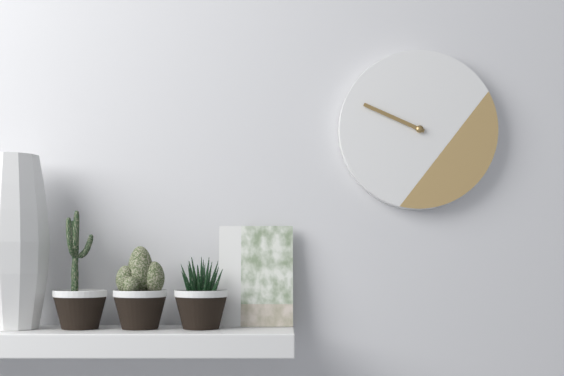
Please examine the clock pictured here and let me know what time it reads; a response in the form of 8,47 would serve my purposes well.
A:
9,49
